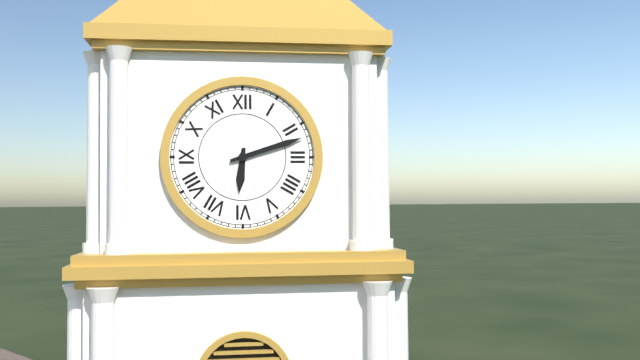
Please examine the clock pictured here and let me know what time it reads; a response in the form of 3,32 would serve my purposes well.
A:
6,12
